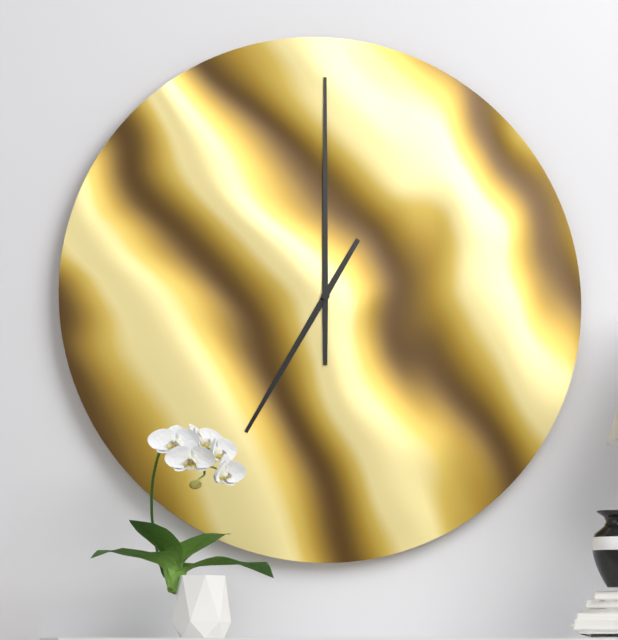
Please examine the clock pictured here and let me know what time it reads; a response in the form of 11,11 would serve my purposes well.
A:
7,00
